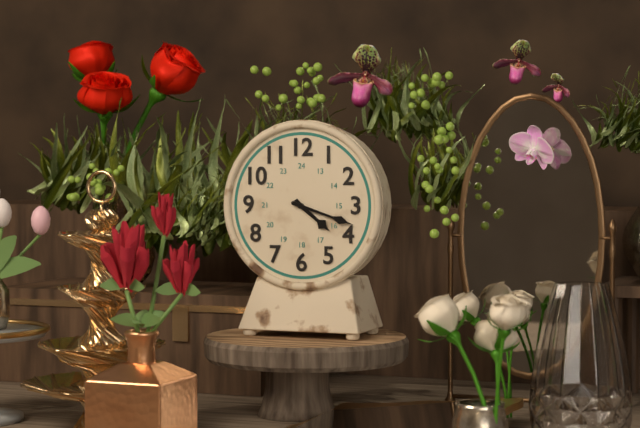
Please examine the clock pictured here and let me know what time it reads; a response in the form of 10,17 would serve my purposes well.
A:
4,18
